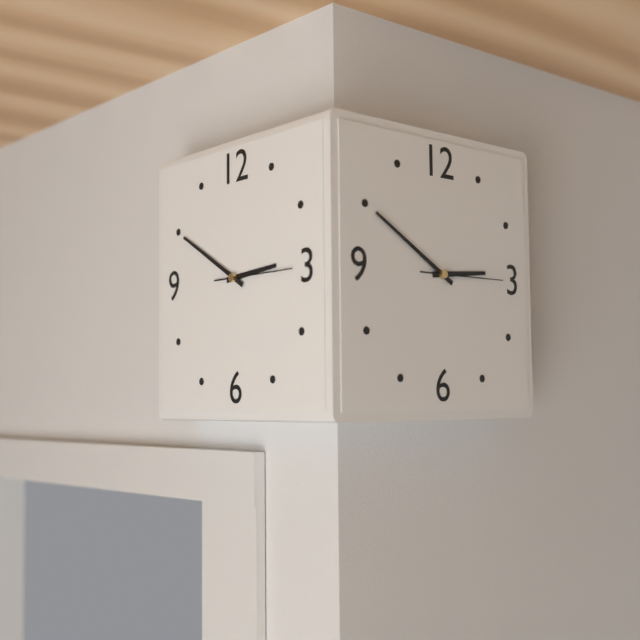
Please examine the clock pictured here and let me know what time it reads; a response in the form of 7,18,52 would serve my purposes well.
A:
2,50,15
